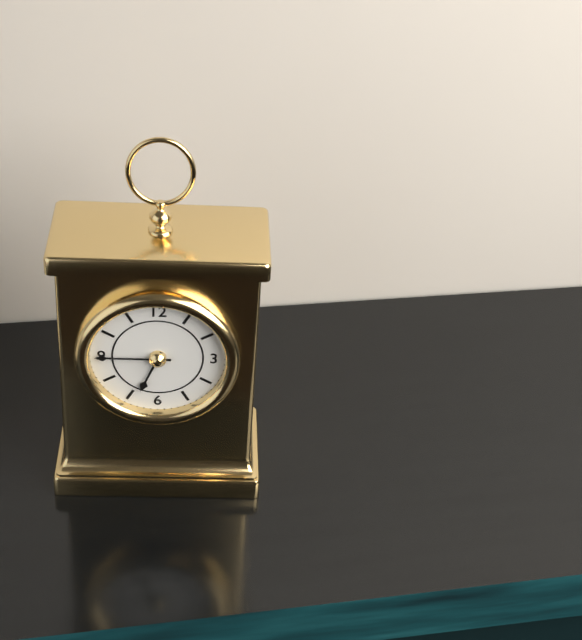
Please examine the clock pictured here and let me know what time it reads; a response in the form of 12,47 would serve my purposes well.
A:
6,45
